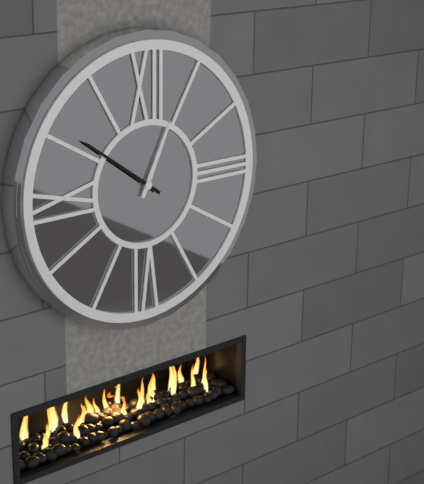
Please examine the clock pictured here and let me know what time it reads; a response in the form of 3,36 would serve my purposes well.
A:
12,51
